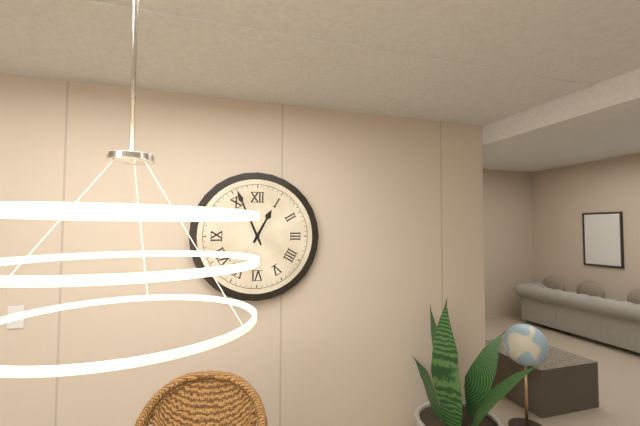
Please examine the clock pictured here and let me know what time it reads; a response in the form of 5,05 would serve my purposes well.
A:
12,56
